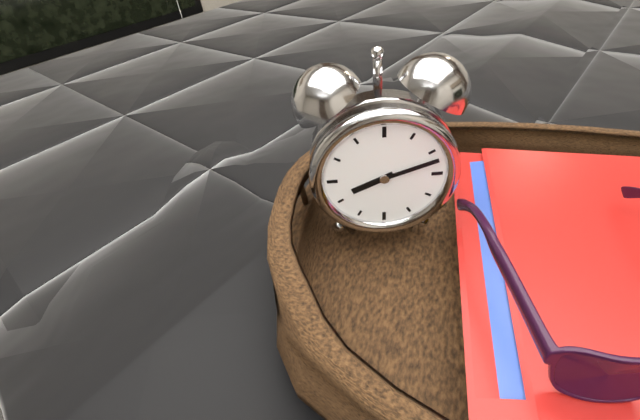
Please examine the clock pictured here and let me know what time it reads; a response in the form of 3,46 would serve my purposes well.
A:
8,12
